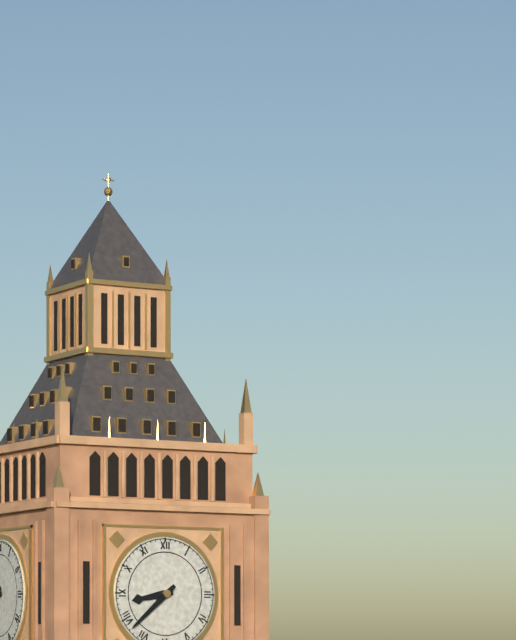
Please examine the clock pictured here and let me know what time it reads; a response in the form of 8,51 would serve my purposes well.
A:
8,38
